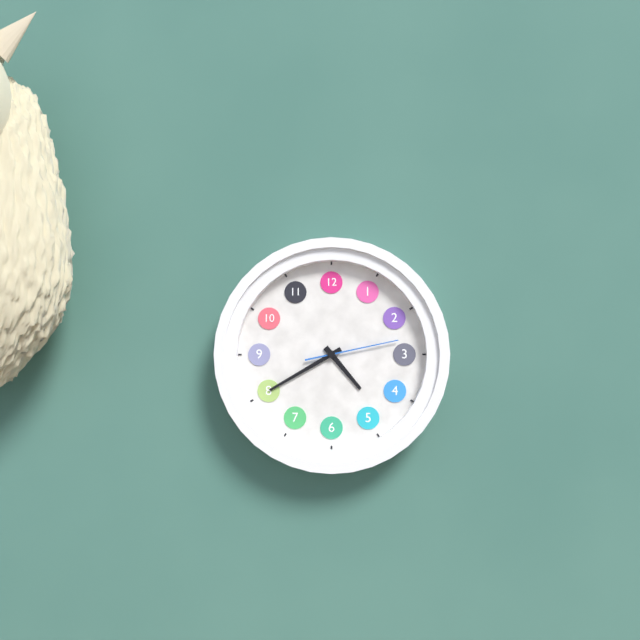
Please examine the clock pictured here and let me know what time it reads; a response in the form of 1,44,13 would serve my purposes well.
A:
4,40,13
